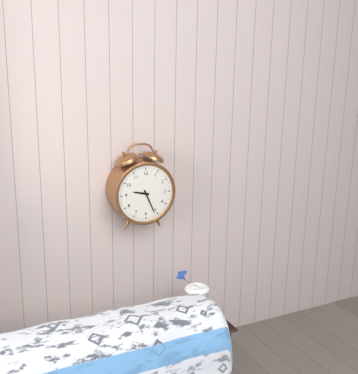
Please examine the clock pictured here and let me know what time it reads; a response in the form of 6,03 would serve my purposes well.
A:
9,26
